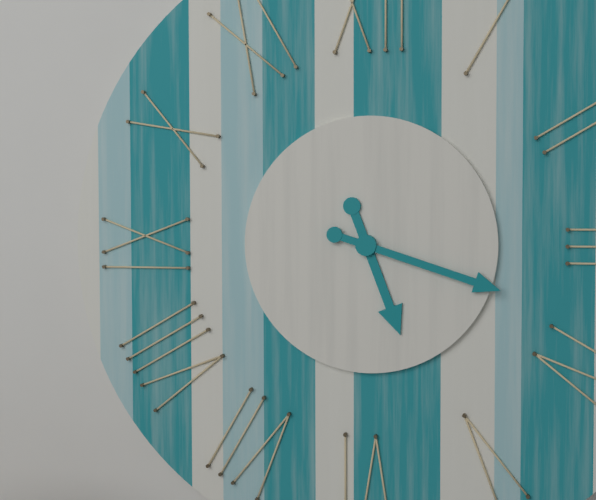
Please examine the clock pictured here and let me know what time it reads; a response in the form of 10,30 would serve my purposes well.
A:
5,18
